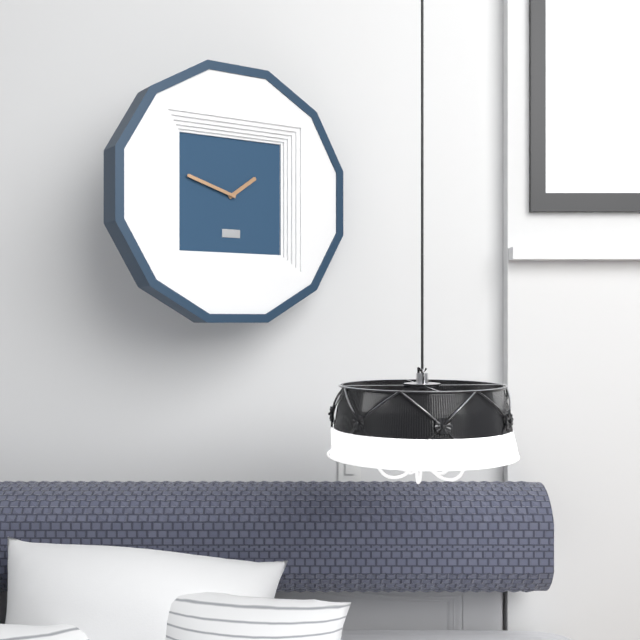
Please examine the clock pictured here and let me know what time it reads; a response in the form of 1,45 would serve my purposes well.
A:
1,48
